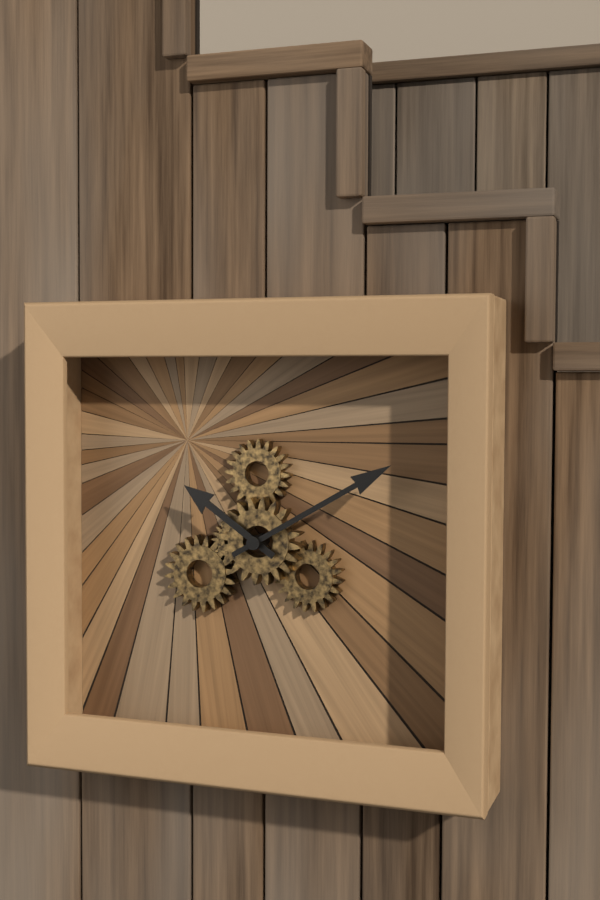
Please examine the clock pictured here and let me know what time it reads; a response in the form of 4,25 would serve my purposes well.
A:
10,10
